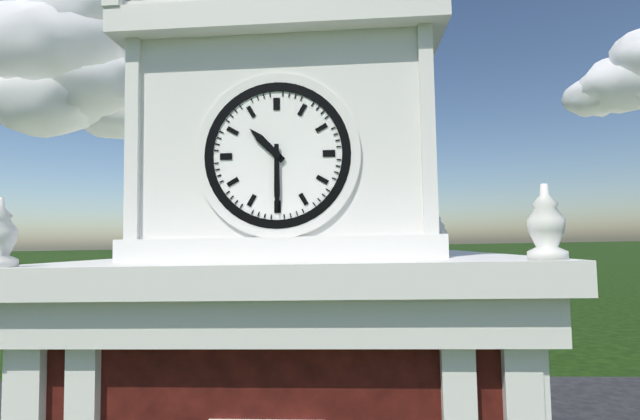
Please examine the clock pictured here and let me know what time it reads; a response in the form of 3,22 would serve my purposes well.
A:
10,30
